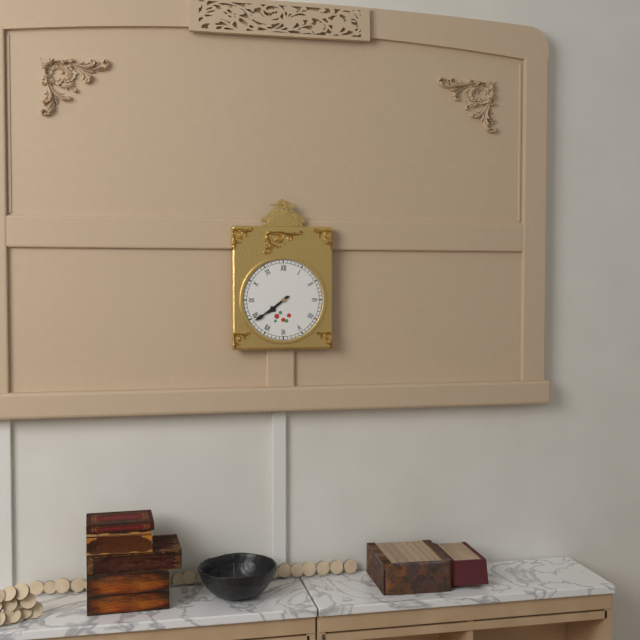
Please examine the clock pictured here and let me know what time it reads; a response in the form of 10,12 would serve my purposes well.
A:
7,39
